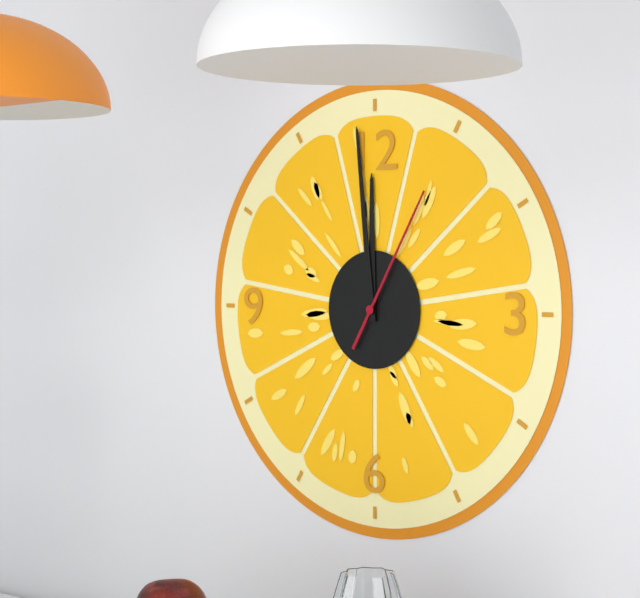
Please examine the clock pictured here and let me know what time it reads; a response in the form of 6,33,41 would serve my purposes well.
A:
11,59,05
